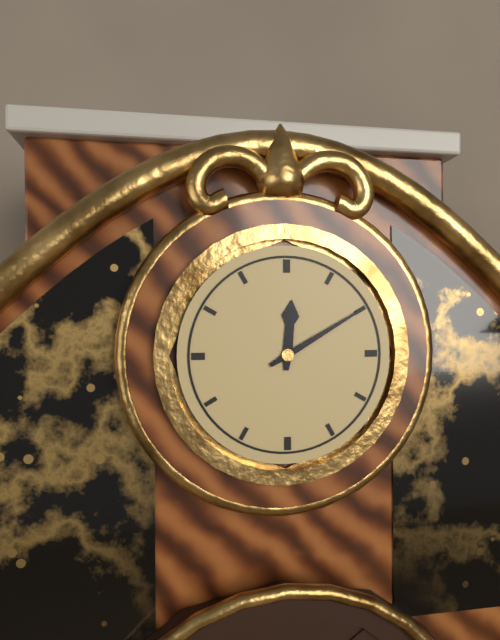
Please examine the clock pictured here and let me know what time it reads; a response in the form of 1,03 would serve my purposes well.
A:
12,10
